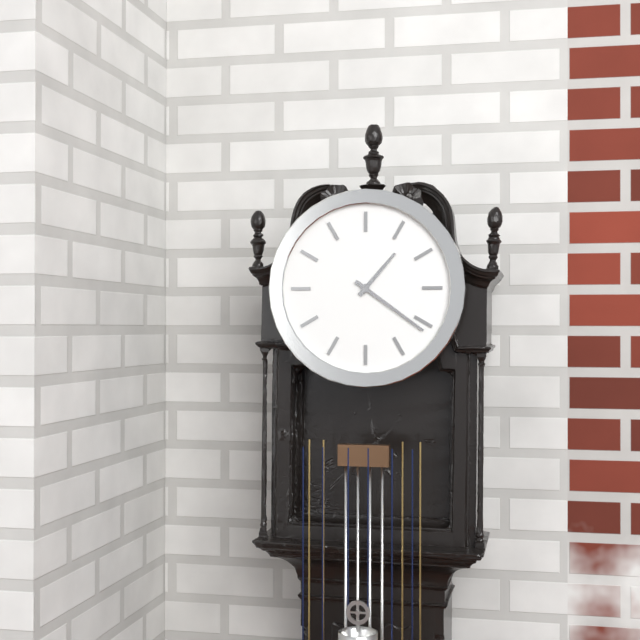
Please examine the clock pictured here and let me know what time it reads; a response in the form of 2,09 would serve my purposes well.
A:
1,21
